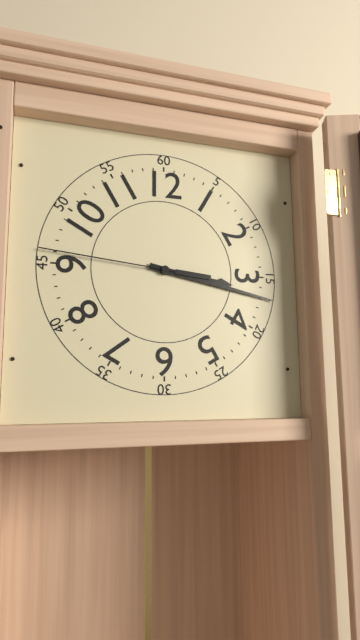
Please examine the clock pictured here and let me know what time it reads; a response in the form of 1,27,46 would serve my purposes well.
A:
3,17,46
